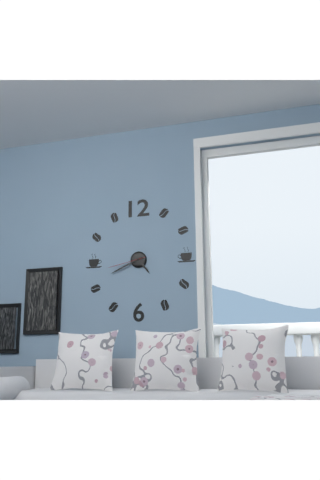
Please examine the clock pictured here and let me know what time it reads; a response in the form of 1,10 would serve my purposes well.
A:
4,41
